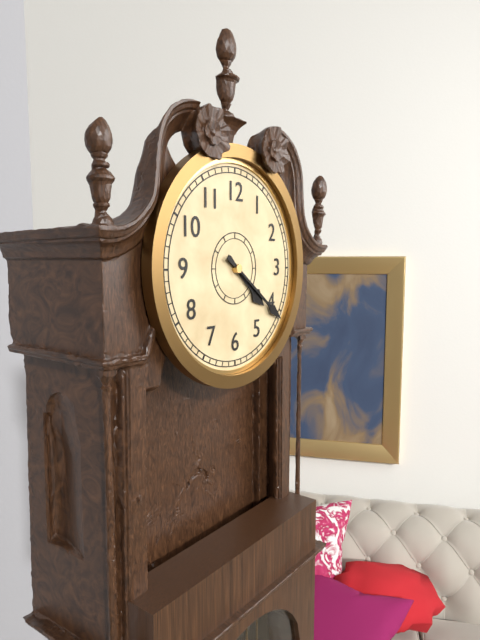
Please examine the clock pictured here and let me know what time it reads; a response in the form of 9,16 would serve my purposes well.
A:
4,21
